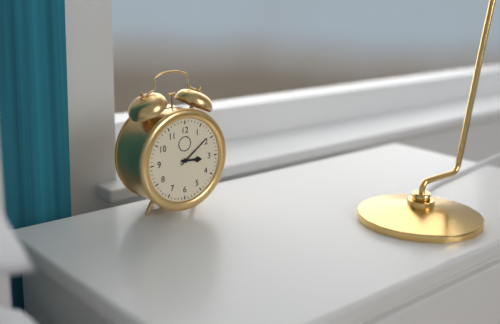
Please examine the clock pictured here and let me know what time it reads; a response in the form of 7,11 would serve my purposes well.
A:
3,09
